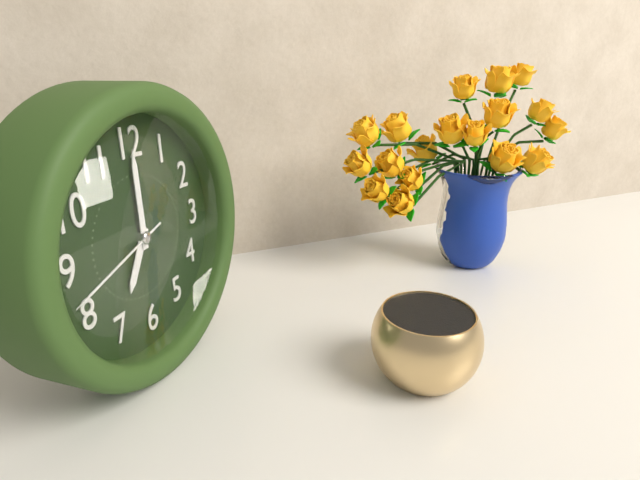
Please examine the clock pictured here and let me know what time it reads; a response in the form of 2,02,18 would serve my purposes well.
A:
7,00,42
